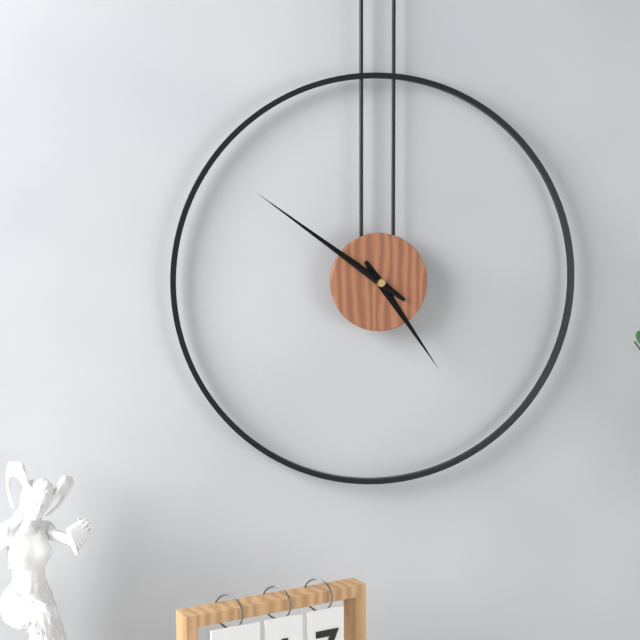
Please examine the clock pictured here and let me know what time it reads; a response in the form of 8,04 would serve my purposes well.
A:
4,51
